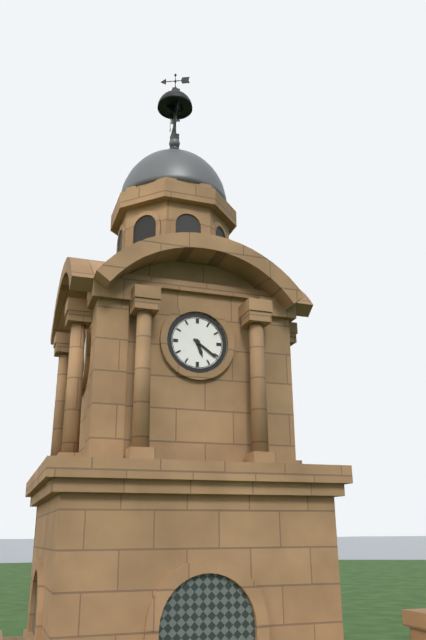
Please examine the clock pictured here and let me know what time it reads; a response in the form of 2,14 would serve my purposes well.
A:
5,21
